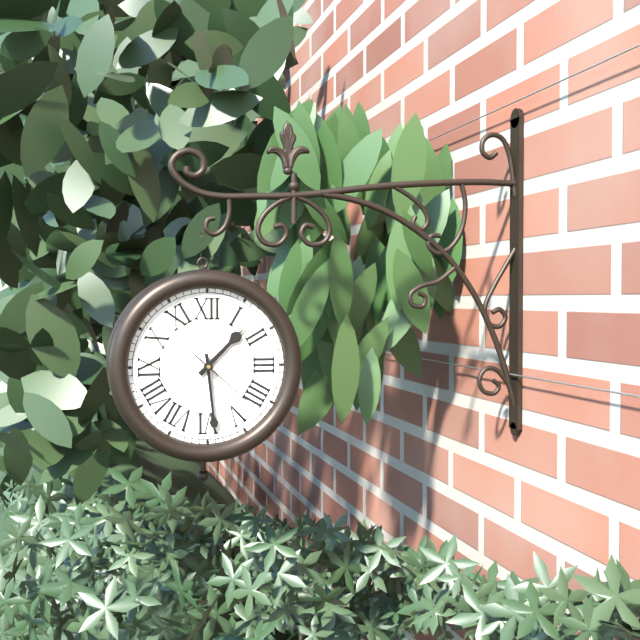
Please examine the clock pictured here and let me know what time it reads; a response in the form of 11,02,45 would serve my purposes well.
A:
1,29,22
